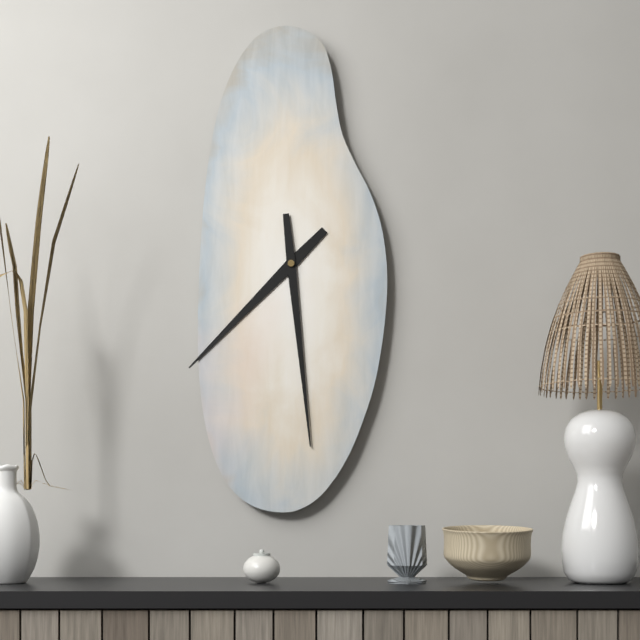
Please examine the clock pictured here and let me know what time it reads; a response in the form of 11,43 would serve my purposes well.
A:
7,29
